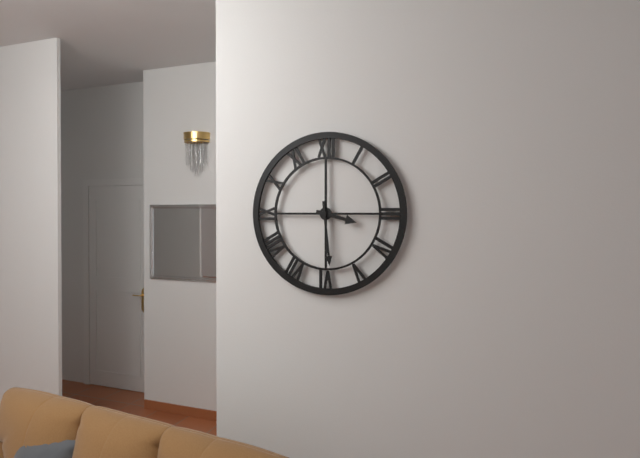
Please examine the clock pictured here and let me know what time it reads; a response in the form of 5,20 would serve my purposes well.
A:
3,29
